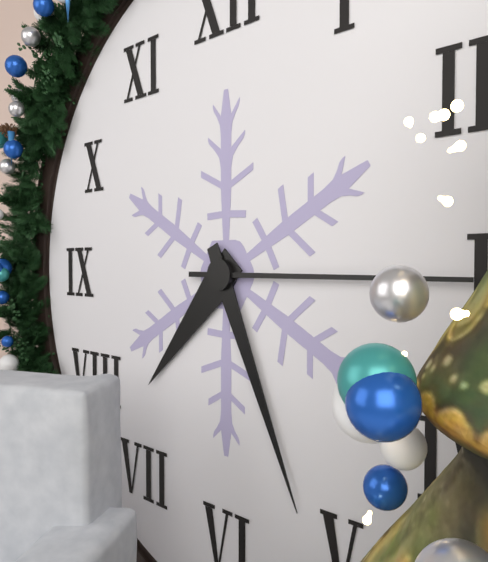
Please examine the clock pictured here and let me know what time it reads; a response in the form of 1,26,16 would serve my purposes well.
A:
7,26,15
